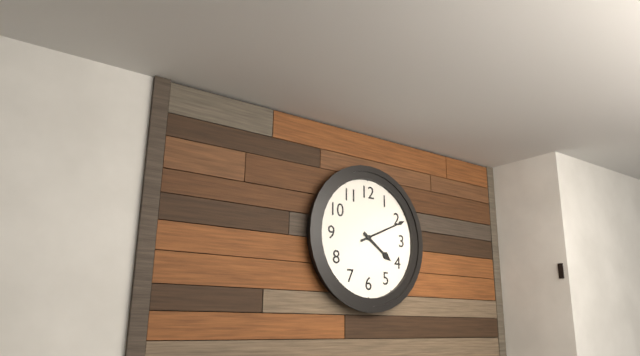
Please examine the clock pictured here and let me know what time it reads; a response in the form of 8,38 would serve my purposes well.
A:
4,11
